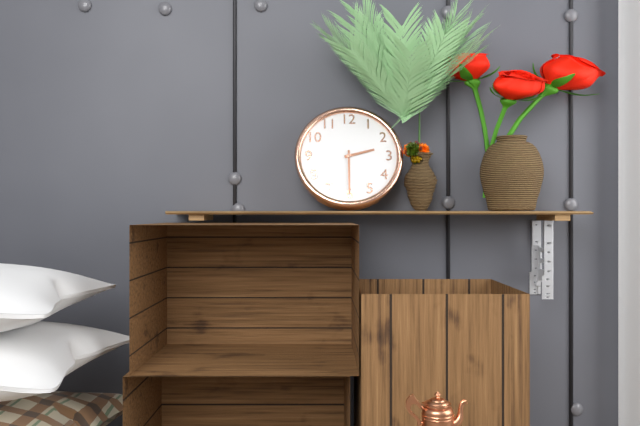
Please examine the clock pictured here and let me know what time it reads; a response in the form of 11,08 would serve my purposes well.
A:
2,30
